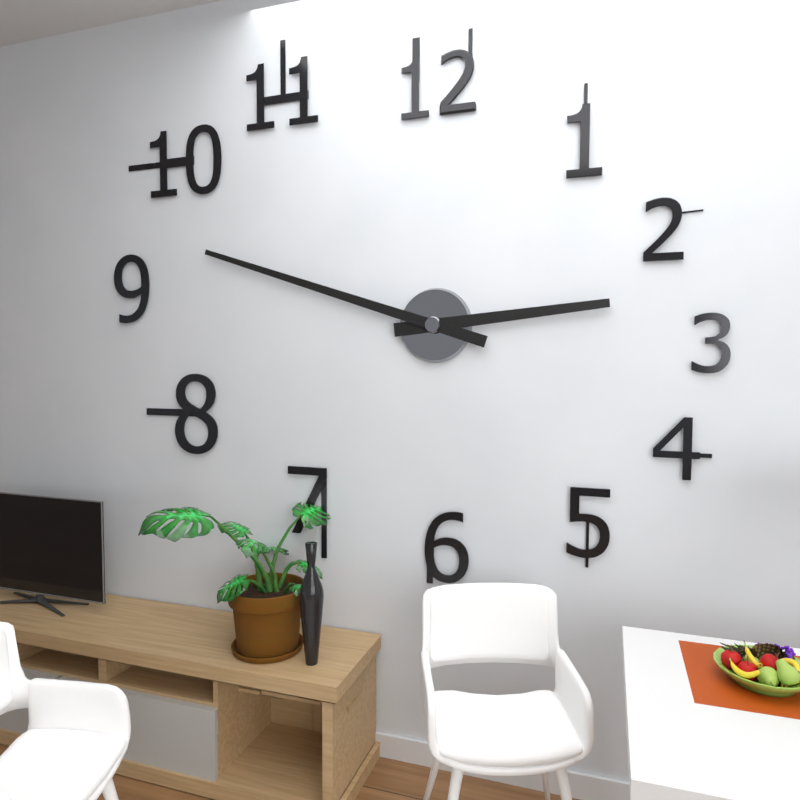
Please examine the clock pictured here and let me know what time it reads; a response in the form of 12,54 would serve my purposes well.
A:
2,48
